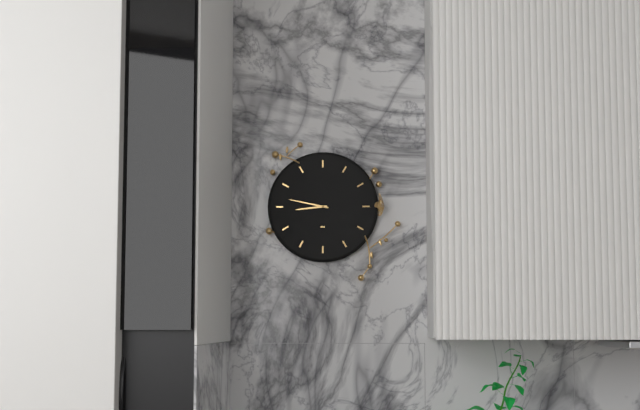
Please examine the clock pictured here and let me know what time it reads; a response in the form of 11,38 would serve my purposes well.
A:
8,47
